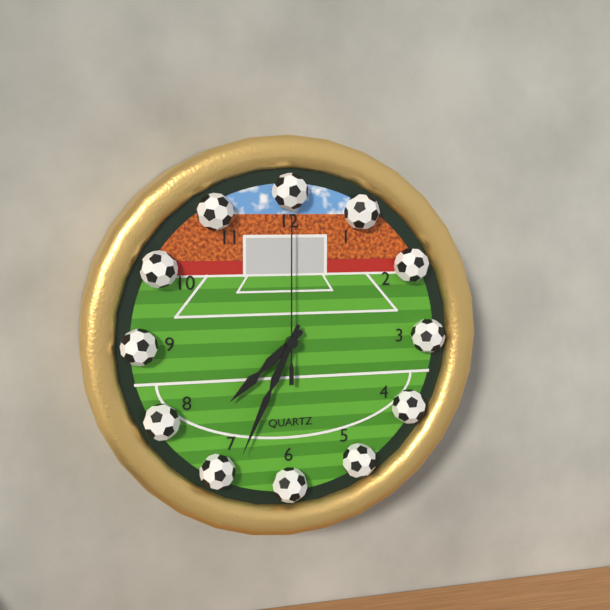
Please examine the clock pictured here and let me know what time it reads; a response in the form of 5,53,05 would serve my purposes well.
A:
7,34,00
